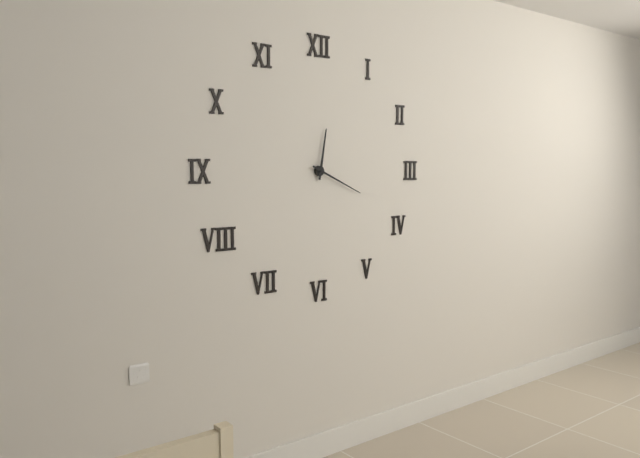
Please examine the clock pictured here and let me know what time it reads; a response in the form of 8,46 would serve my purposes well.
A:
12,19
